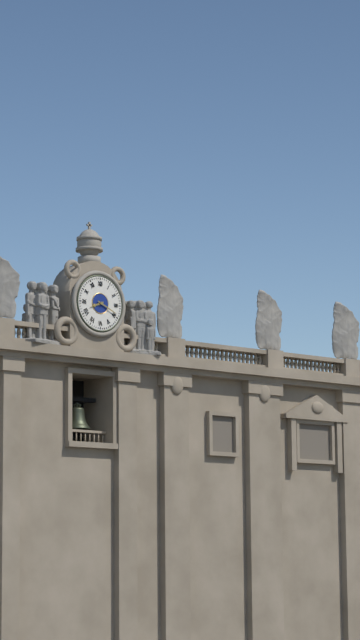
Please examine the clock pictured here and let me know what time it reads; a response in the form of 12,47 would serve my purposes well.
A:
8,19
